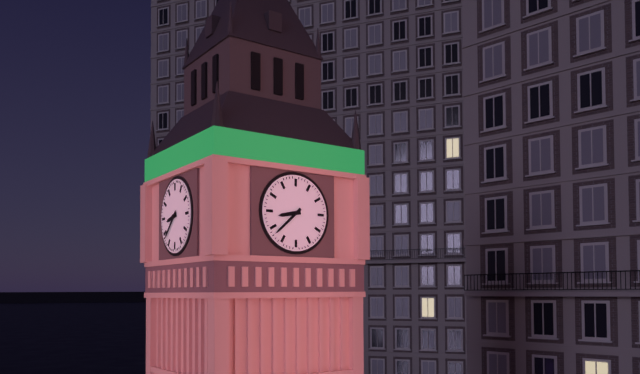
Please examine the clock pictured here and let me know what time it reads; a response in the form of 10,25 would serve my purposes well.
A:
8,38
